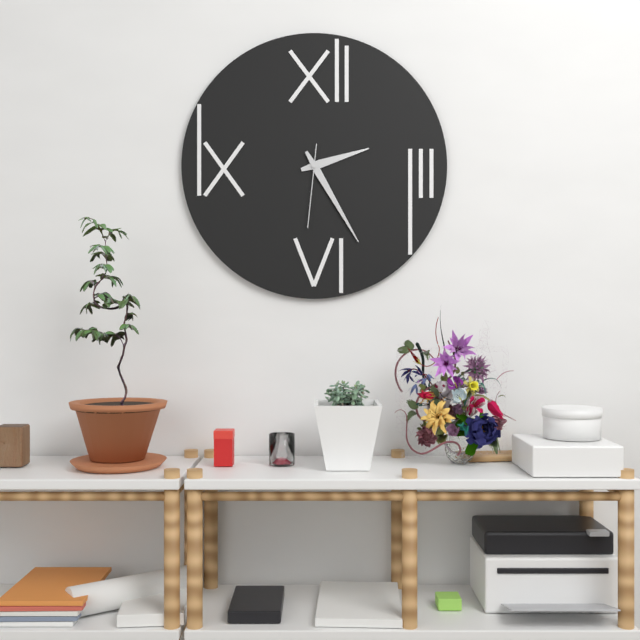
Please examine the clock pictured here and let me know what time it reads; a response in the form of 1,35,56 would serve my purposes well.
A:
2,25,31
